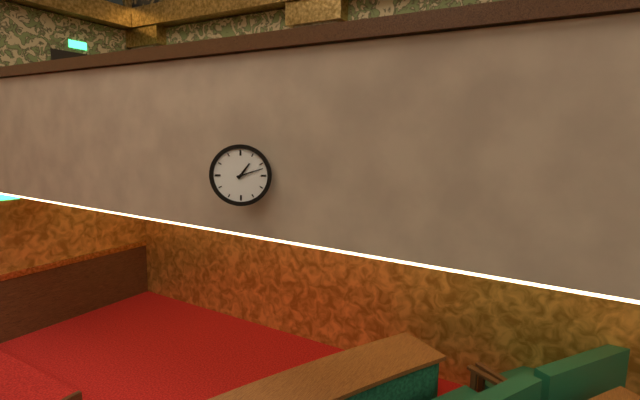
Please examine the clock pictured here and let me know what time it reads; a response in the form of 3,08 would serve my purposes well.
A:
1,12
